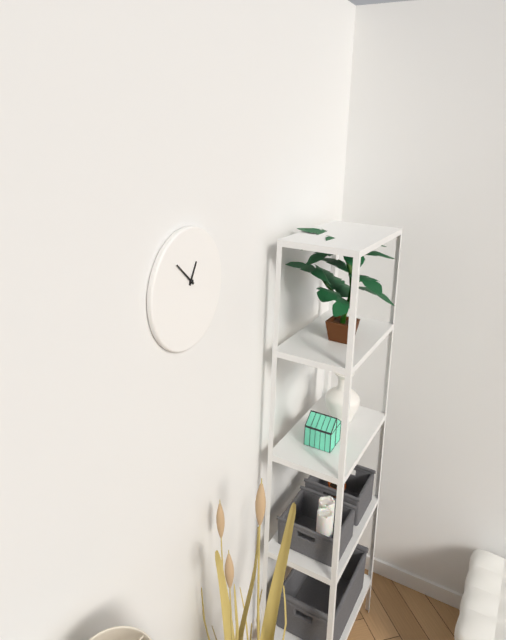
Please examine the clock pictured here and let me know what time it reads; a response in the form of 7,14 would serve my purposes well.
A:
12,52
